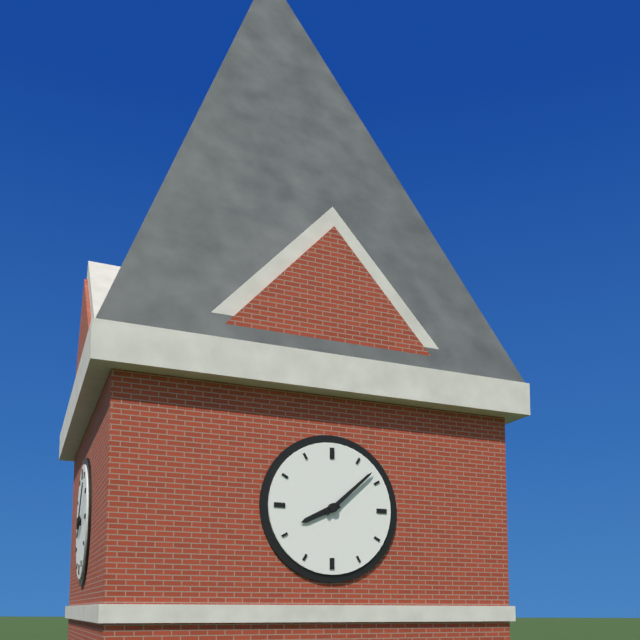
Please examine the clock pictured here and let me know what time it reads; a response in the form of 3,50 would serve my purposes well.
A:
8,08
